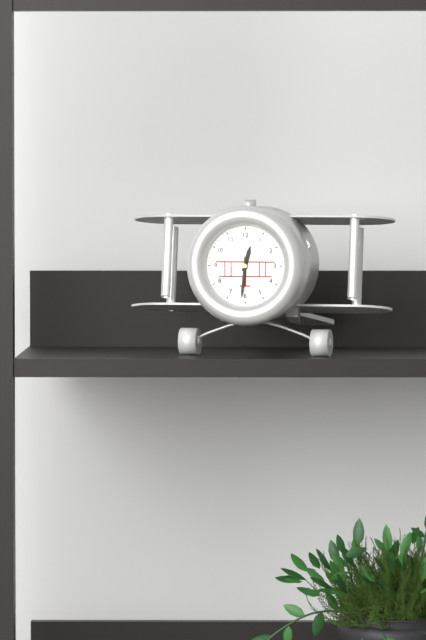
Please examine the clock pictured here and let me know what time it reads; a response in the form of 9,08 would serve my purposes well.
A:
12,31
